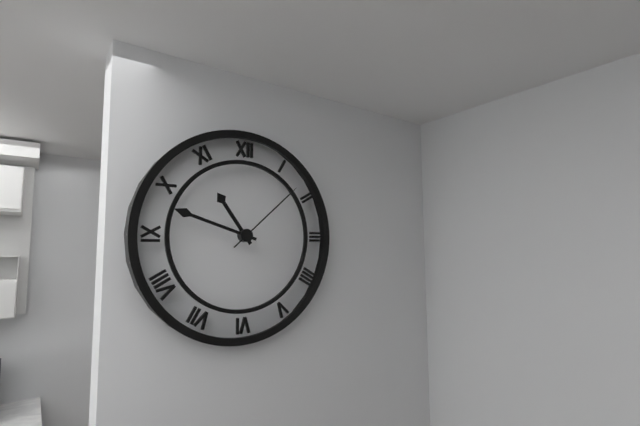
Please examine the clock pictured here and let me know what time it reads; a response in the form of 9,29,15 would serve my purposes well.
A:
10,48,08
